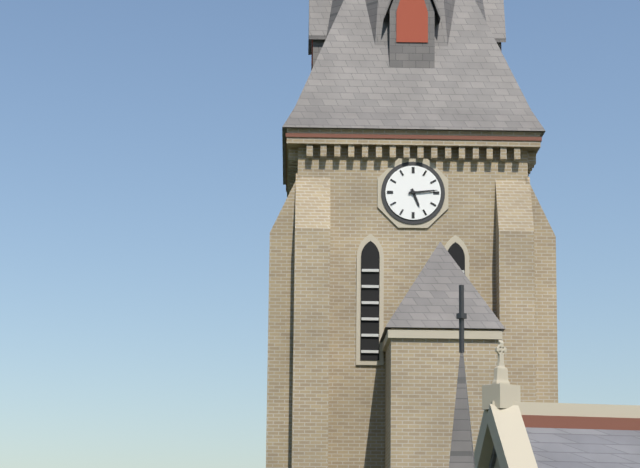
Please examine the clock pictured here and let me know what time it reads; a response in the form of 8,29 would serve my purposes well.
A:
5,14
